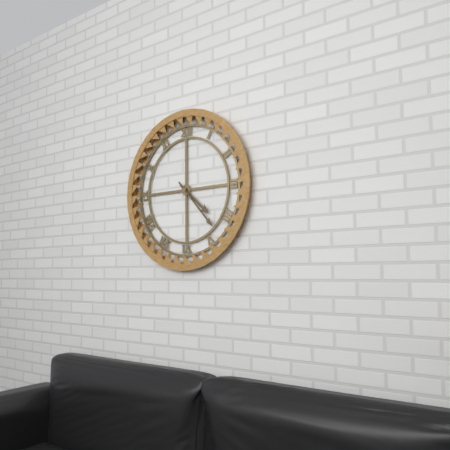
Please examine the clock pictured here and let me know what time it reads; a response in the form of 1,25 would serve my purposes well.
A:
4,23
